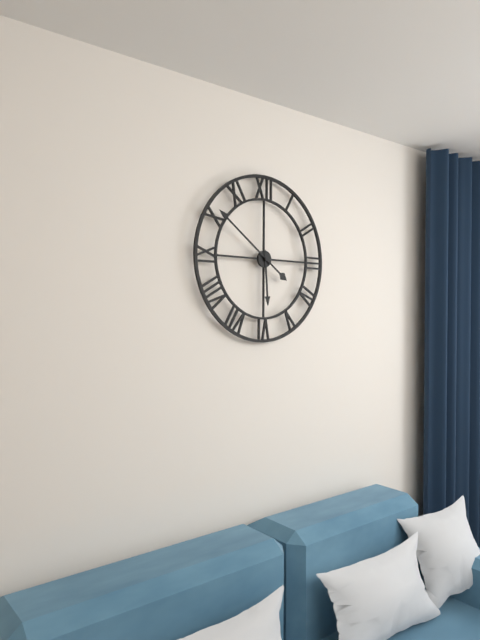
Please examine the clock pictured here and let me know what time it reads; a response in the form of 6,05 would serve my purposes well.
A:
5,51
